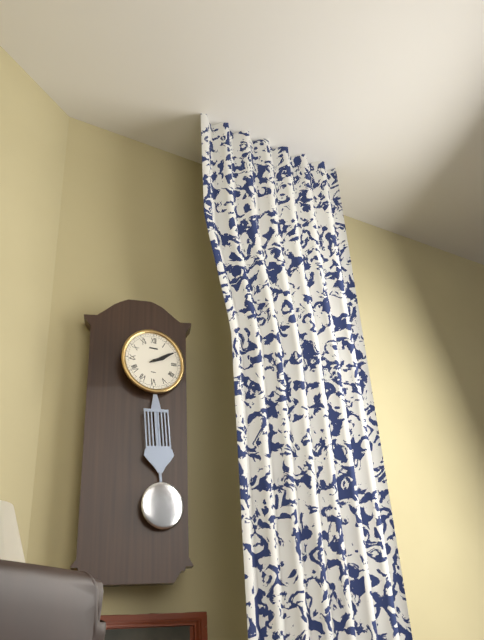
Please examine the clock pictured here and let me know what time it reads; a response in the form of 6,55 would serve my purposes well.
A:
2,10
